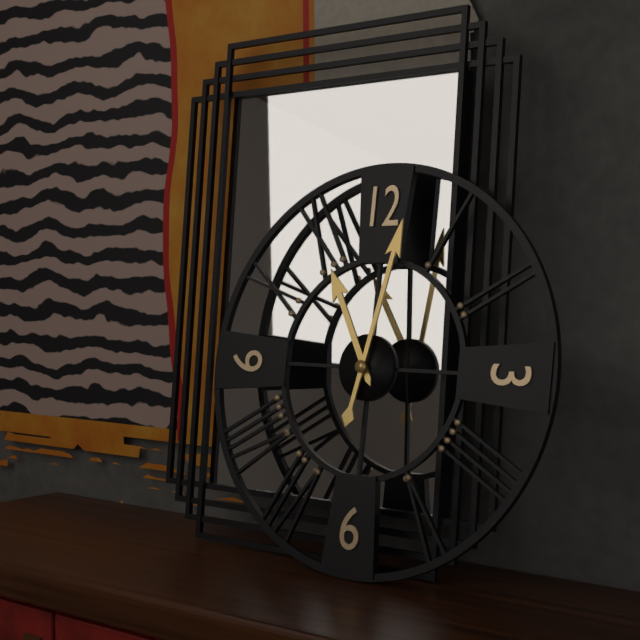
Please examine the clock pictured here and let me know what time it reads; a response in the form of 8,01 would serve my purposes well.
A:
11,02
